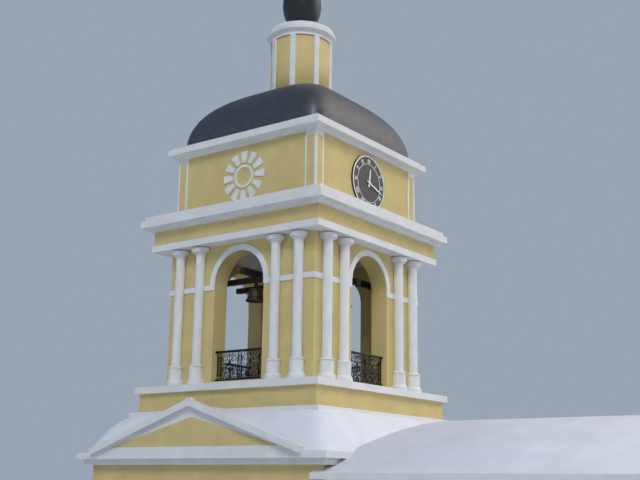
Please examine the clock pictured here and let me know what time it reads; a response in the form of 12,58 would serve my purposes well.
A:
12,18
